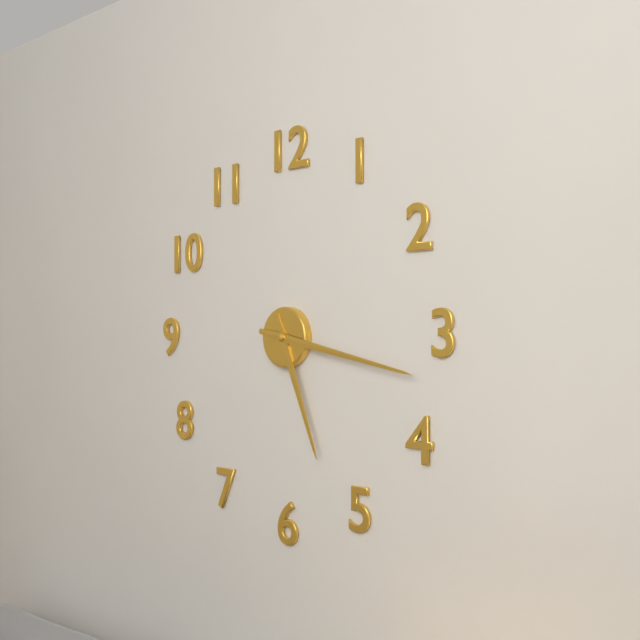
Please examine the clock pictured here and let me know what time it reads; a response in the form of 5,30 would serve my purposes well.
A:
5,17
